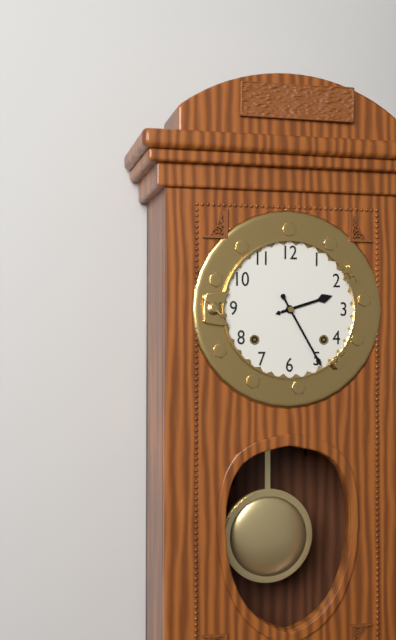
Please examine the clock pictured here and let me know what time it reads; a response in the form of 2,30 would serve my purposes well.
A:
2,25
